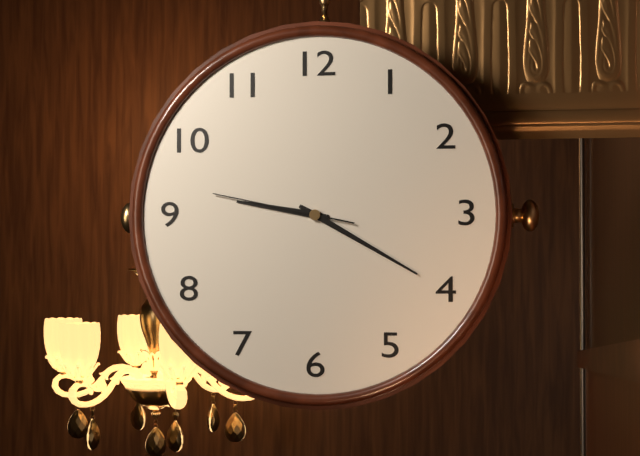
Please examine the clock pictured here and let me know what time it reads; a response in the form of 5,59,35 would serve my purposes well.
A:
9,20,47
